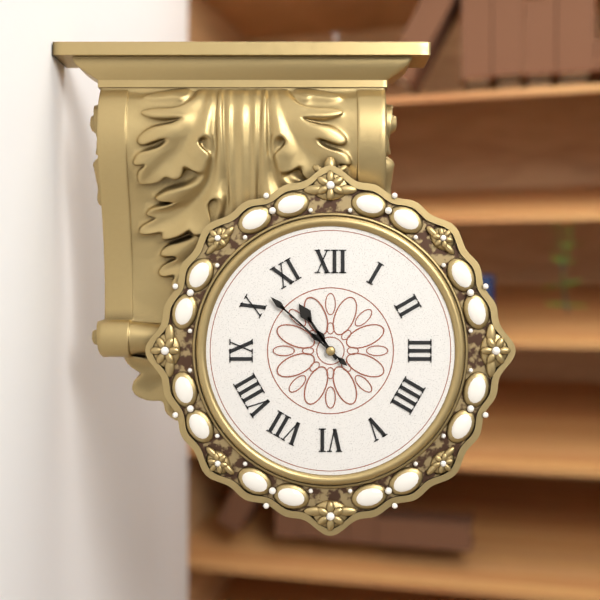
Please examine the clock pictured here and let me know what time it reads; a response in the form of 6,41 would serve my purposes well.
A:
10,52
